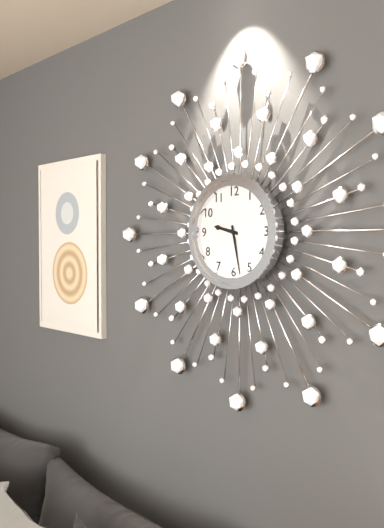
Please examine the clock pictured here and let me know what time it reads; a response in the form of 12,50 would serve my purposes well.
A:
9,28
